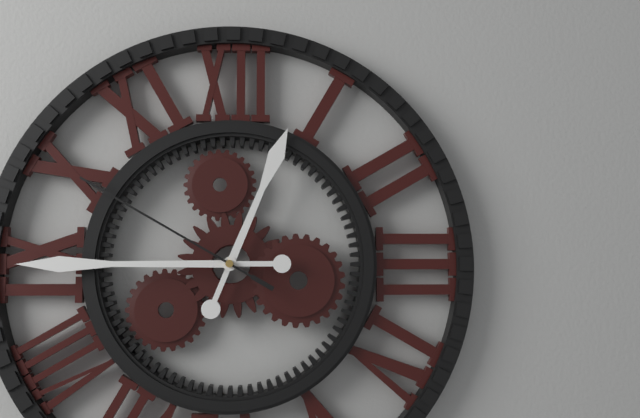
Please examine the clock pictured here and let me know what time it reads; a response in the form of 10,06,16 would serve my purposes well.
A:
12,45,50
